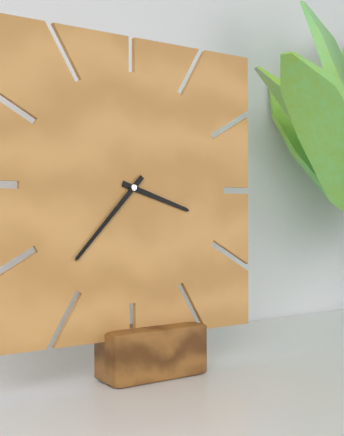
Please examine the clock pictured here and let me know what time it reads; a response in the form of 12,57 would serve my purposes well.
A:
3,37
